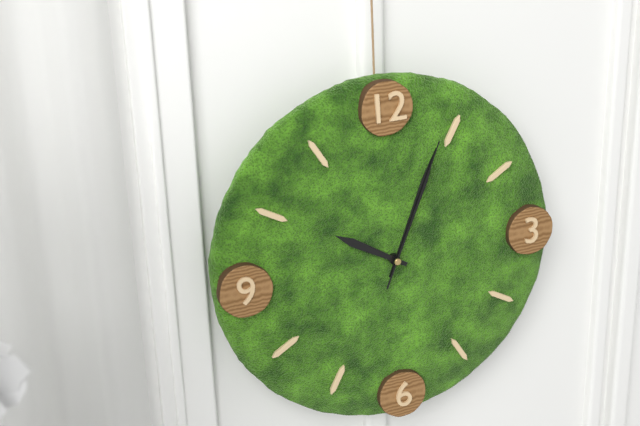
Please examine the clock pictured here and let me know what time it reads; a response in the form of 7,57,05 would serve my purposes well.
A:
10,04,04
